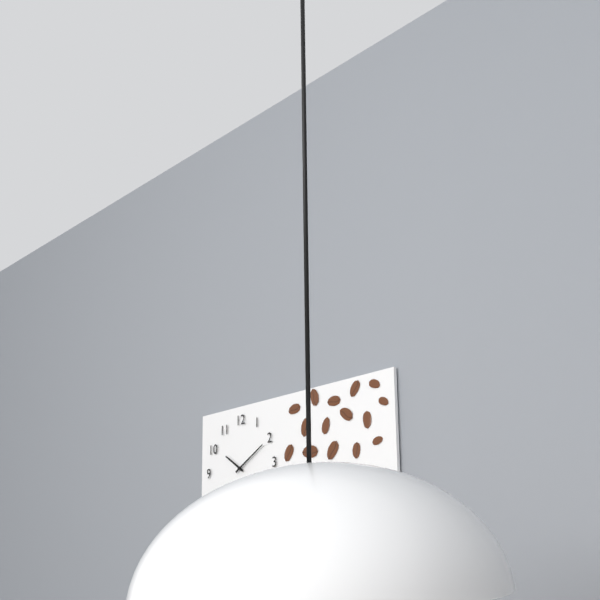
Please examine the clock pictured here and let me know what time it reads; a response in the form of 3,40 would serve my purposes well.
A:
10,10
